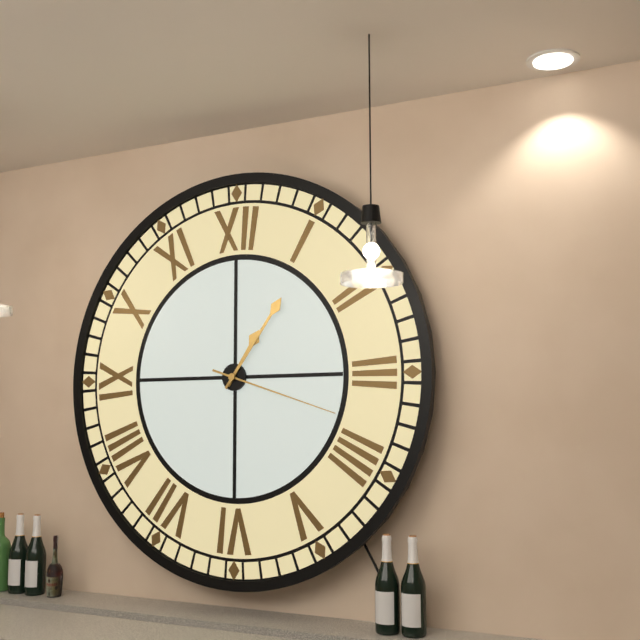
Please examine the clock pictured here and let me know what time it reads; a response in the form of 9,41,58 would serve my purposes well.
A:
1,06,18
